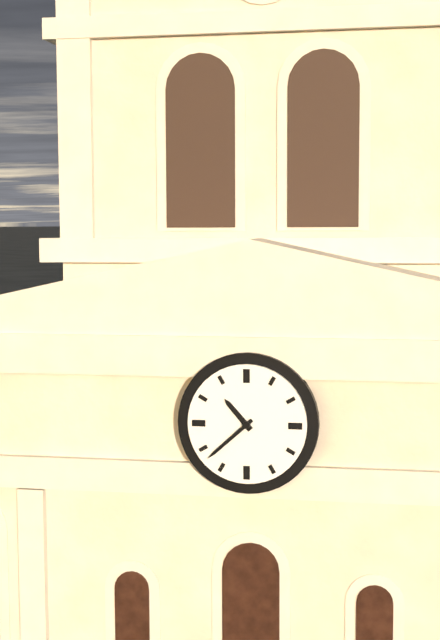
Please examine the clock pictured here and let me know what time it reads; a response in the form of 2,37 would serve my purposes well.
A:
10,38
